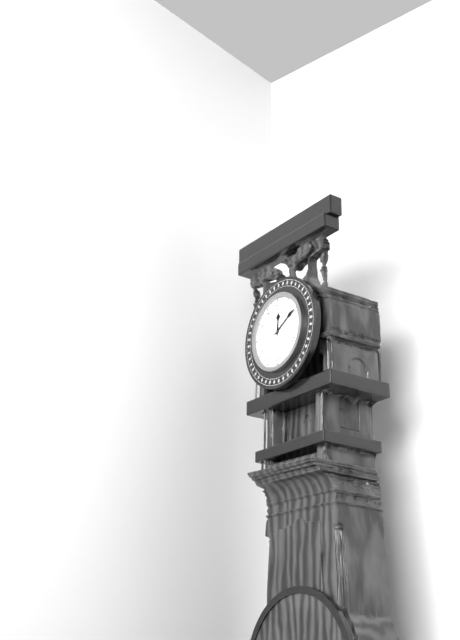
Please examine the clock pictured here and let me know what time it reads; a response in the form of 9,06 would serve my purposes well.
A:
12,10
